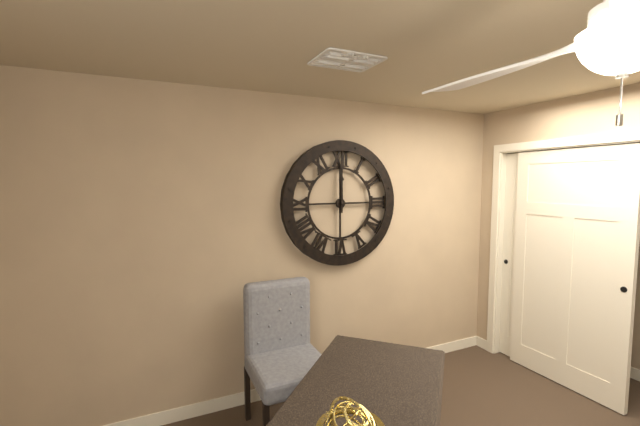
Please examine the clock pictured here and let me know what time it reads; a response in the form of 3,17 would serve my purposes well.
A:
12,00
